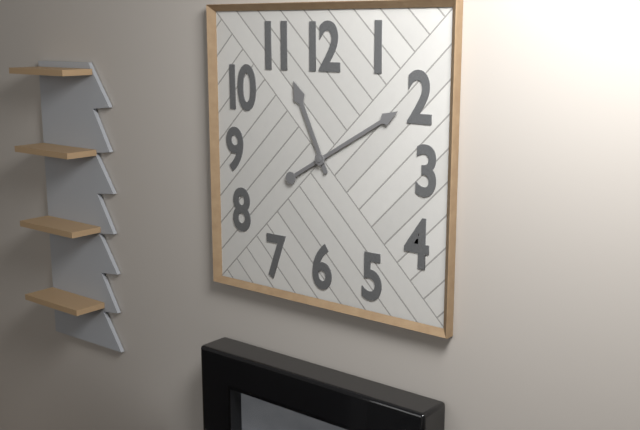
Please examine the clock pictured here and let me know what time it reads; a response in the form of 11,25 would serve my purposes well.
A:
11,10
